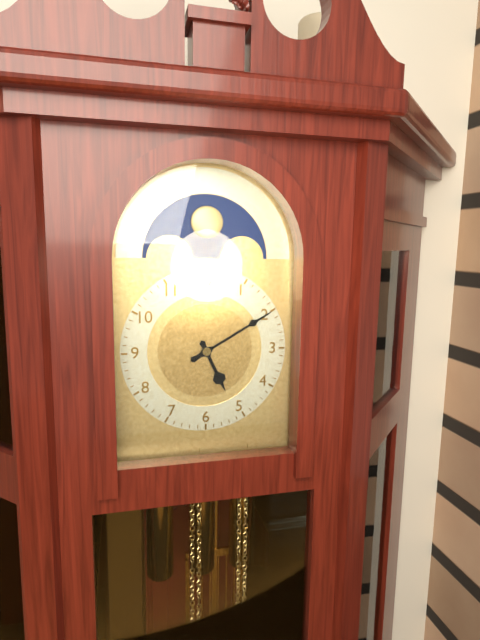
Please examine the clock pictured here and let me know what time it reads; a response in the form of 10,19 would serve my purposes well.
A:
5,10
